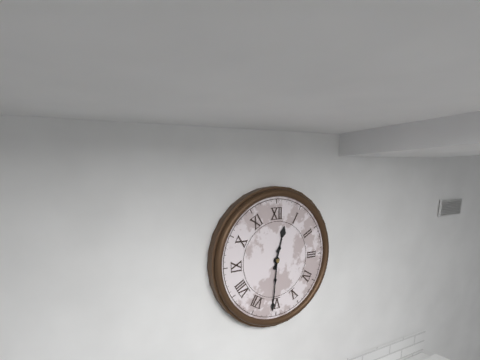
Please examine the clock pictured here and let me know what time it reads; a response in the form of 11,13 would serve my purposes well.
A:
12,31
